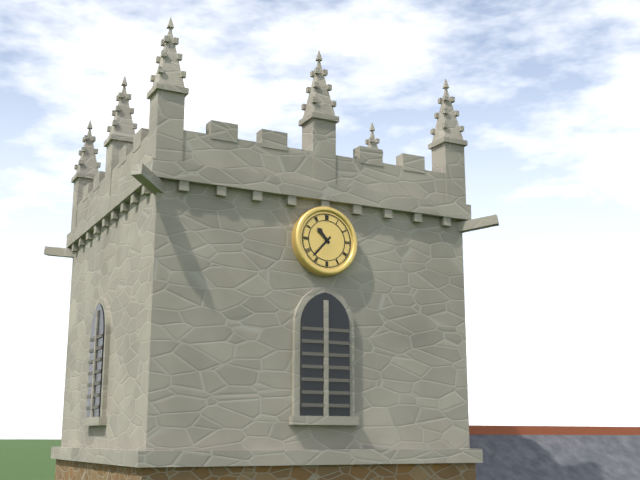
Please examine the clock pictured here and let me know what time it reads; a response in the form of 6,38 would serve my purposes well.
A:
10,37
